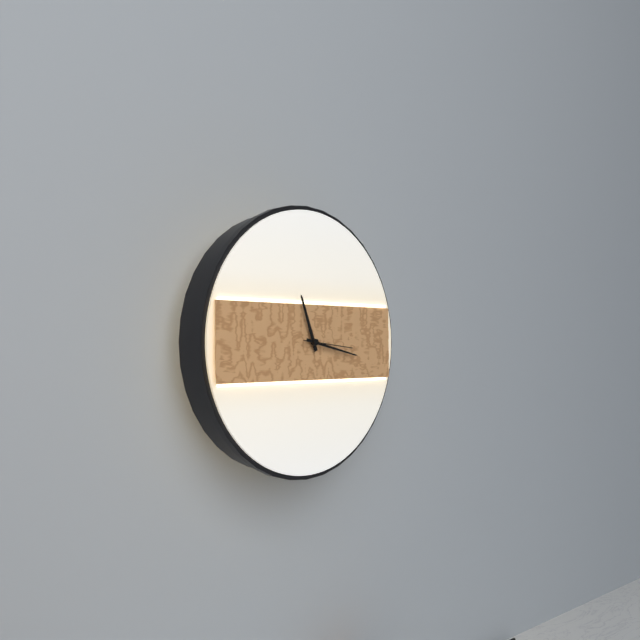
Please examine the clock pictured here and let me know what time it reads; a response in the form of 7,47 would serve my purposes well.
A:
11,17
